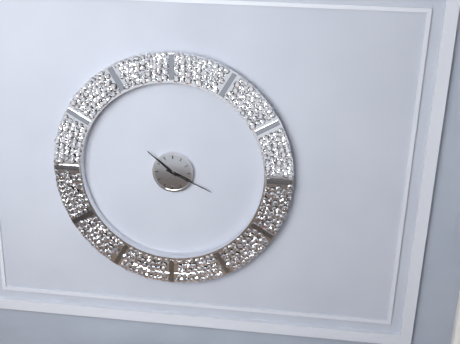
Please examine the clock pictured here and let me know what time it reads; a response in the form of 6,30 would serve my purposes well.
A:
10,19
